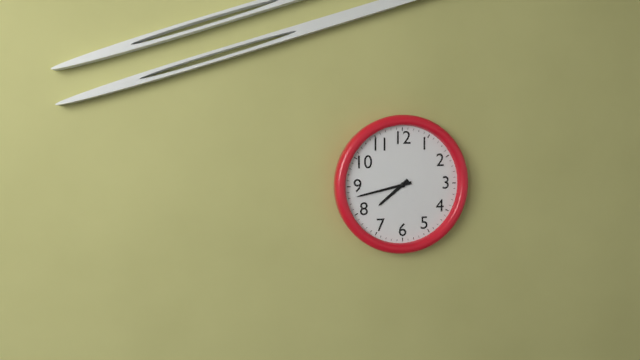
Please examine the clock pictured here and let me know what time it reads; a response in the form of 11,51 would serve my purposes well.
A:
7,43
